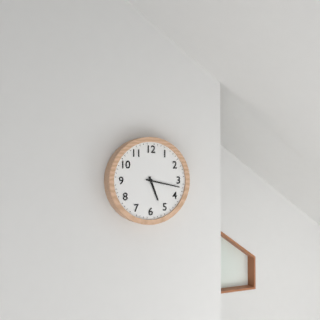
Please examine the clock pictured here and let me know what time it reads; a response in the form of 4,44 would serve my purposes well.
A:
5,17
